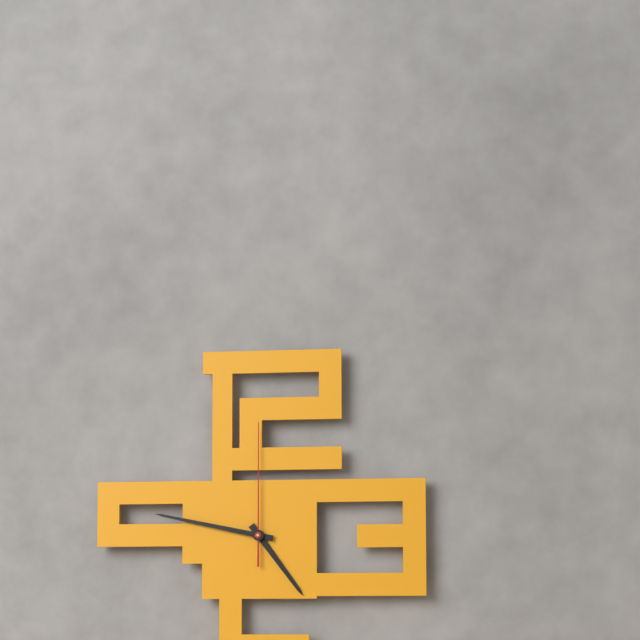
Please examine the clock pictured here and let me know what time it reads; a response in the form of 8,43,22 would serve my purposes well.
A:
4,47,00
